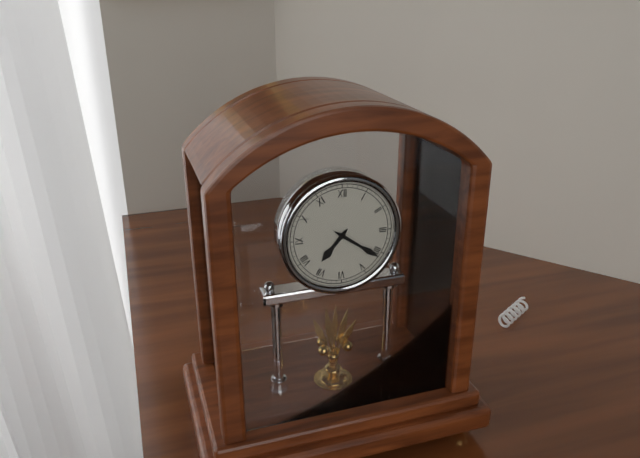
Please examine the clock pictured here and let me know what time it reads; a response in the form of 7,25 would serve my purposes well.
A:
7,21
